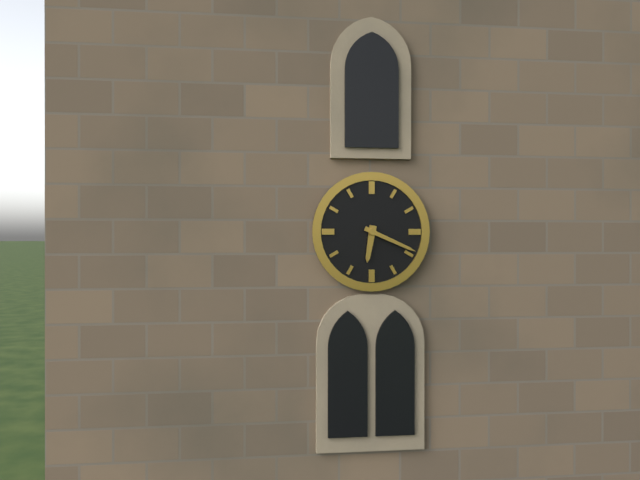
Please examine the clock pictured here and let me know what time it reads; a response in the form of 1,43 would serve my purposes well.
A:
6,19
